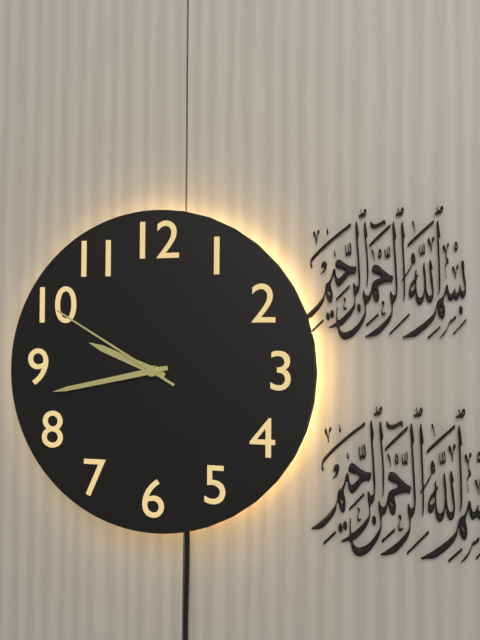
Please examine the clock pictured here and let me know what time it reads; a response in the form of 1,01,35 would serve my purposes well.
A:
9,43,50
